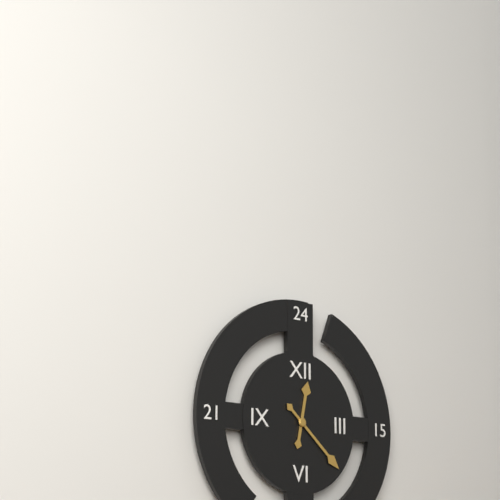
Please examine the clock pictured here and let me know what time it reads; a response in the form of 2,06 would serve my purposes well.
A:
12,22
